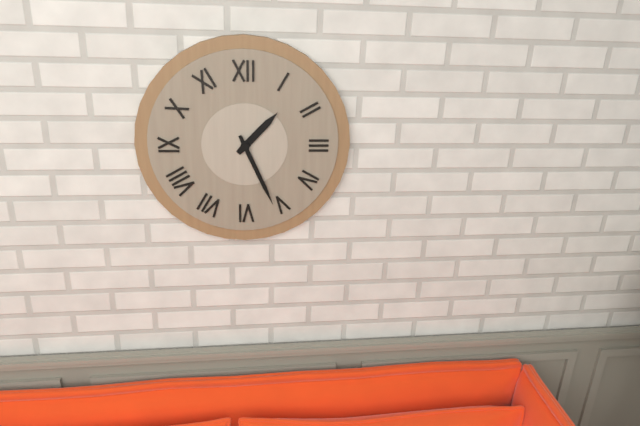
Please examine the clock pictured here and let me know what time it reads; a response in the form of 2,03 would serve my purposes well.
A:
1,26
